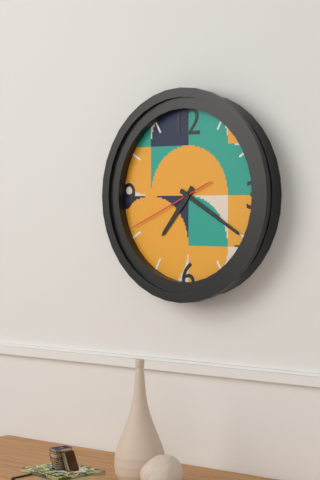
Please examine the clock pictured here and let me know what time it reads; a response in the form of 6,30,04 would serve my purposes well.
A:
7,20,41
